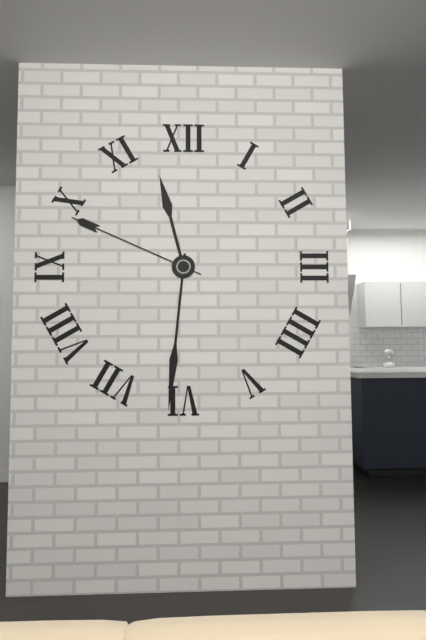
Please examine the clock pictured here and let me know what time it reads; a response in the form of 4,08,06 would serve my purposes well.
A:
11,31,49
